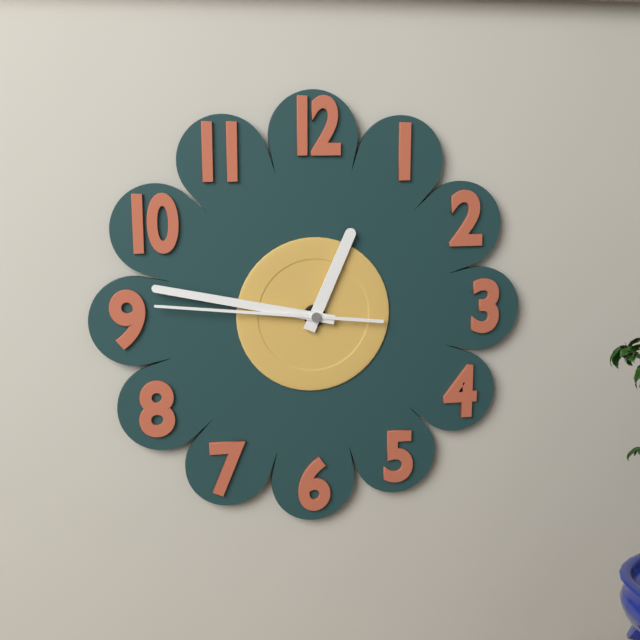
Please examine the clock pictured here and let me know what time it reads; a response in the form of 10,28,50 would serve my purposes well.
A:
12,47,46
